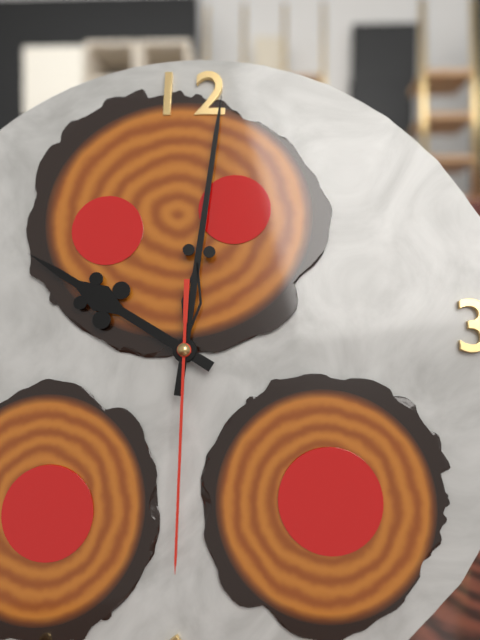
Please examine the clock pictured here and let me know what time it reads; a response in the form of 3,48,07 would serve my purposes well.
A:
10,01,30
